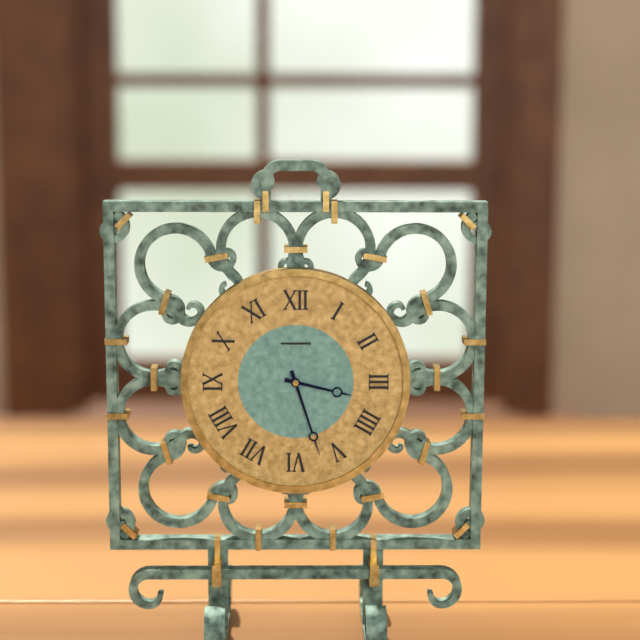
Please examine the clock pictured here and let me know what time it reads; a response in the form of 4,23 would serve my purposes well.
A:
3,27
